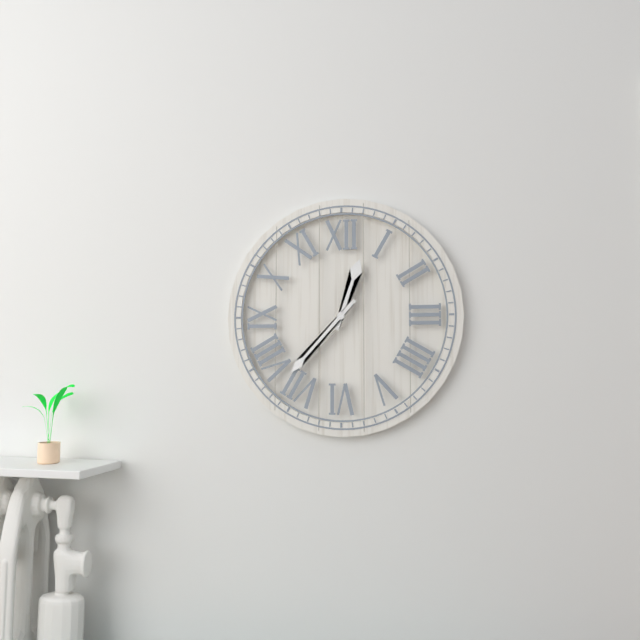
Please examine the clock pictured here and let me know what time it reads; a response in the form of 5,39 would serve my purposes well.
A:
12,37
